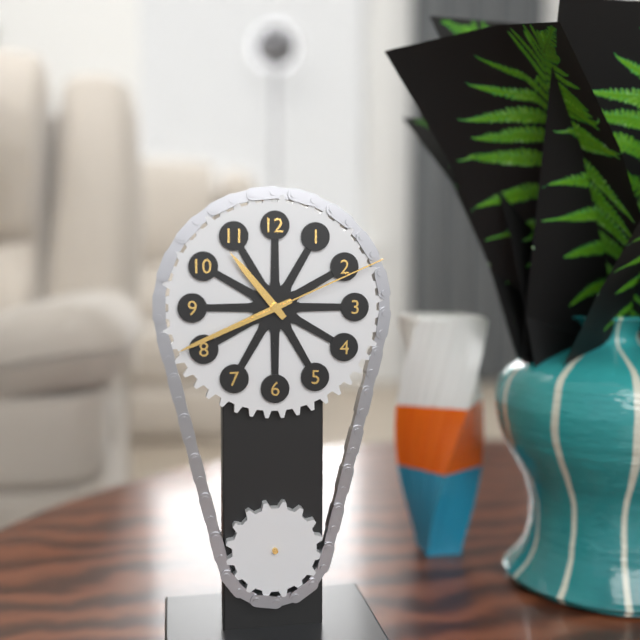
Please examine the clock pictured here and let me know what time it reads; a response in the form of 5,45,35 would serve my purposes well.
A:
10,41,11
